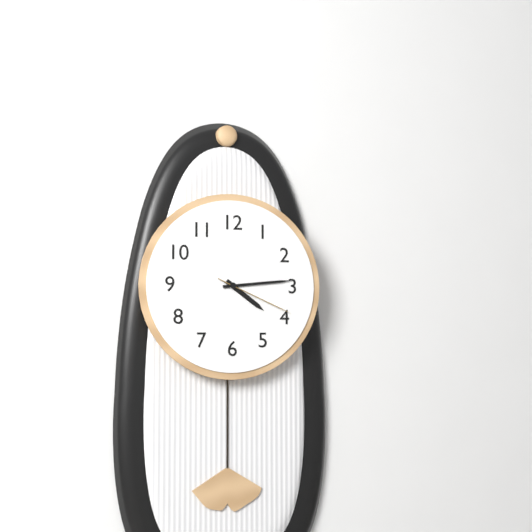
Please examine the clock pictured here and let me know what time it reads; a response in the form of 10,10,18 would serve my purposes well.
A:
4,14,19
